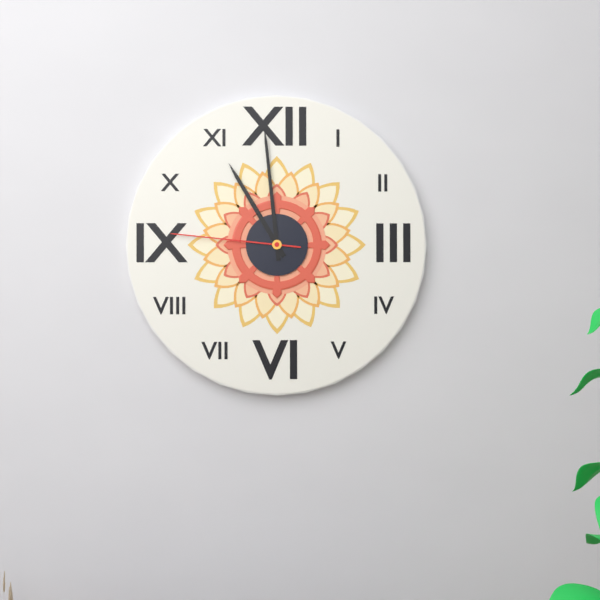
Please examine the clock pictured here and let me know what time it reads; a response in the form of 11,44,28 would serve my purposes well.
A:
10,59,46
